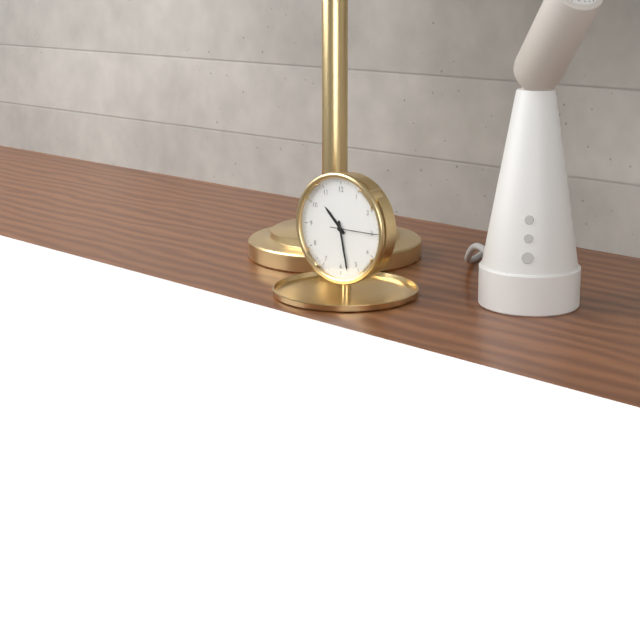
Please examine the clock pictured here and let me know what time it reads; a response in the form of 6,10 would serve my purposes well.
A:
10,28
